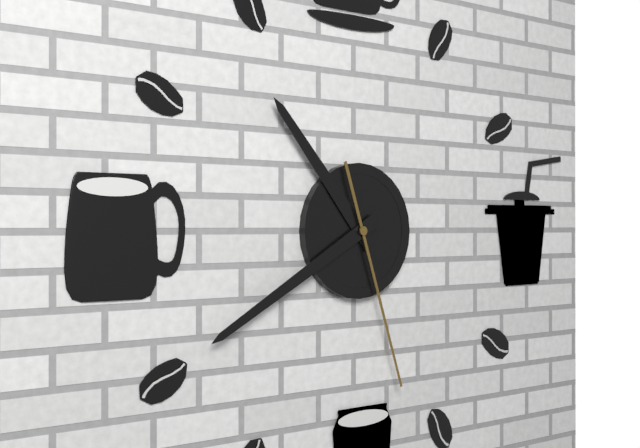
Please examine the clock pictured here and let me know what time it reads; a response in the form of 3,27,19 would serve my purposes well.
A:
10,40,27
